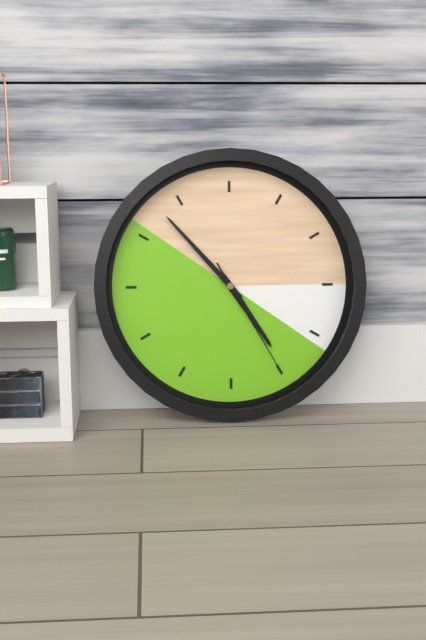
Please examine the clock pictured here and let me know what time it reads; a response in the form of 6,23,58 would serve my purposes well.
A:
4,53,25
